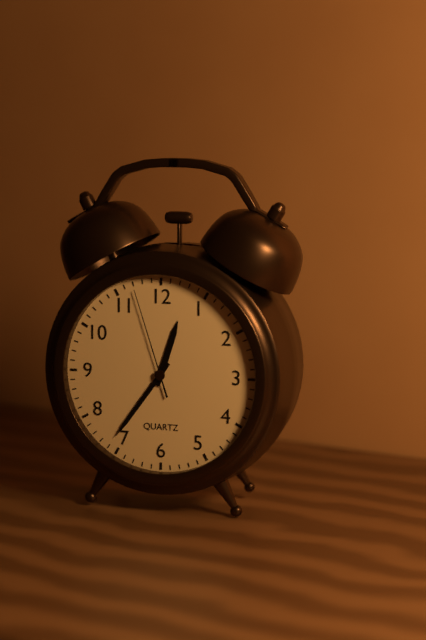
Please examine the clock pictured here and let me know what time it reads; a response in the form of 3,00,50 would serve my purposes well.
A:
12,36,57
